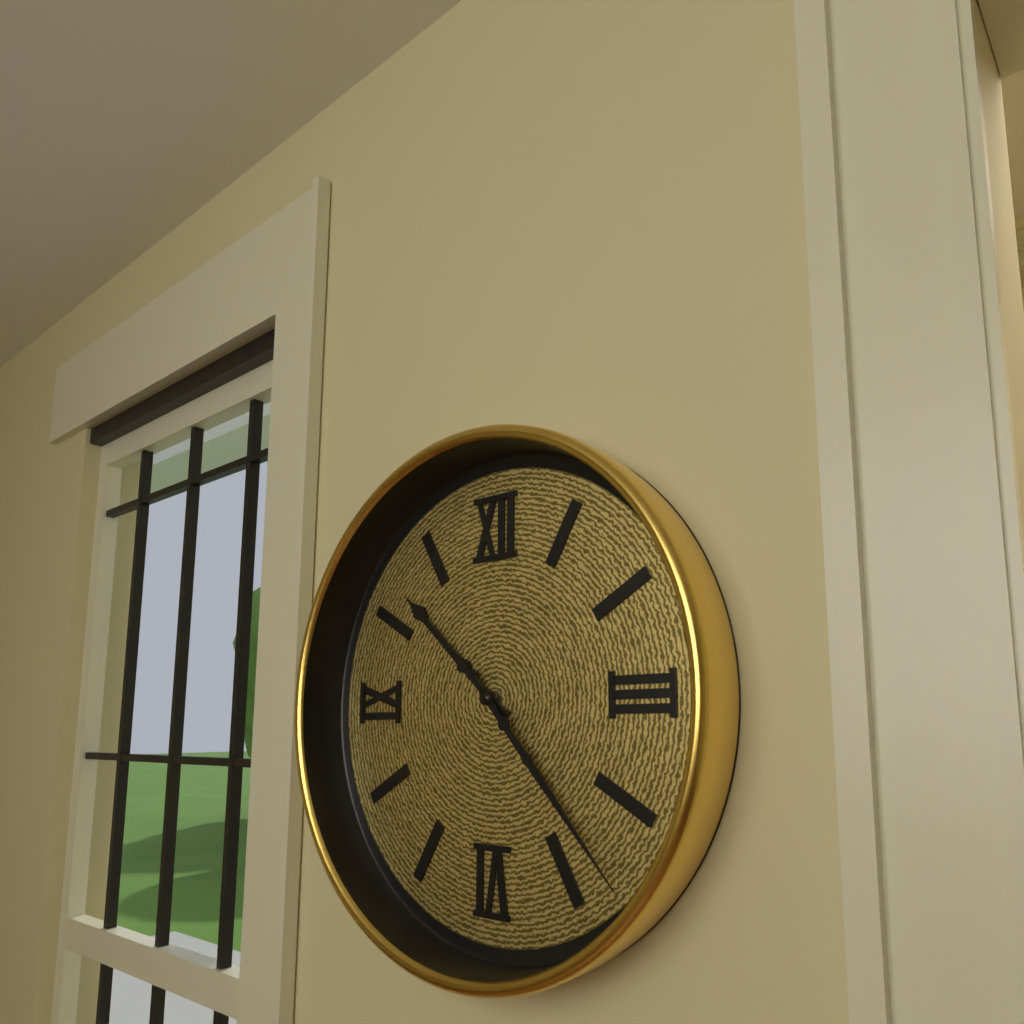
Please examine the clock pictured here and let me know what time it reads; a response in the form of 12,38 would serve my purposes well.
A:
10,23
